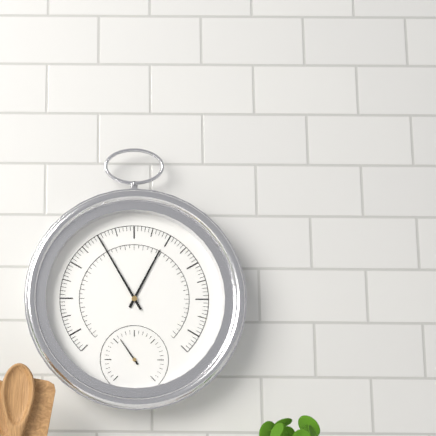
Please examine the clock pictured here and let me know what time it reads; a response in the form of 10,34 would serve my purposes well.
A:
12,55
